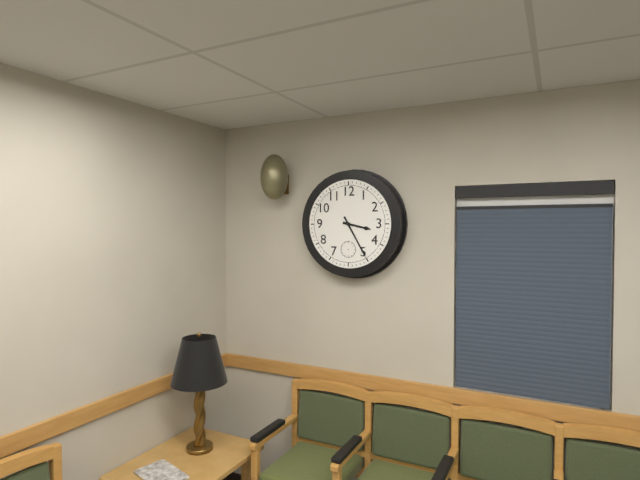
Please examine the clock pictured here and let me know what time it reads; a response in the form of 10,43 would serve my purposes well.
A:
3,25
